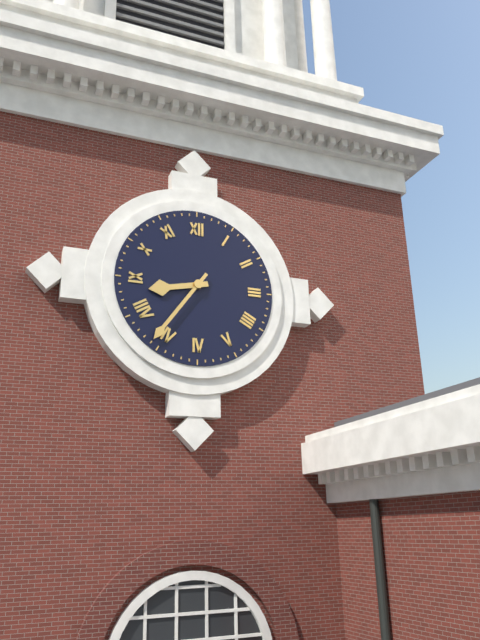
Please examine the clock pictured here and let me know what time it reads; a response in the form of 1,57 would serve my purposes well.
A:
8,36
